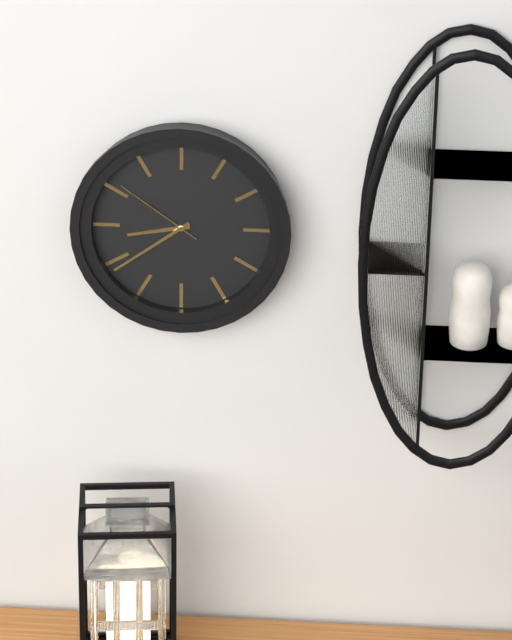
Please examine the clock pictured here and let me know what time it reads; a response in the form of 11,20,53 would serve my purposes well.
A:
8,39,51
